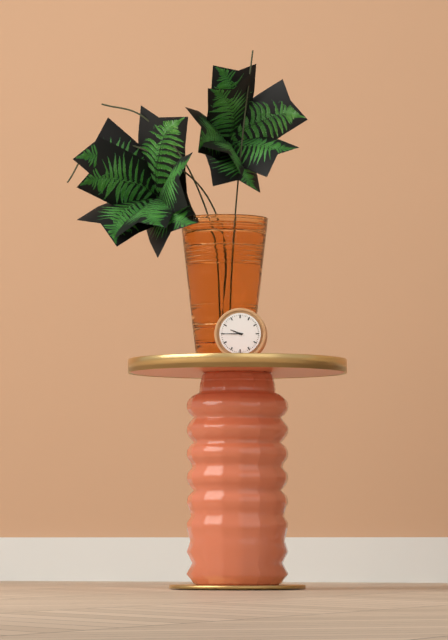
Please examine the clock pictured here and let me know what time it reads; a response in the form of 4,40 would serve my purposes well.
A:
9,45
